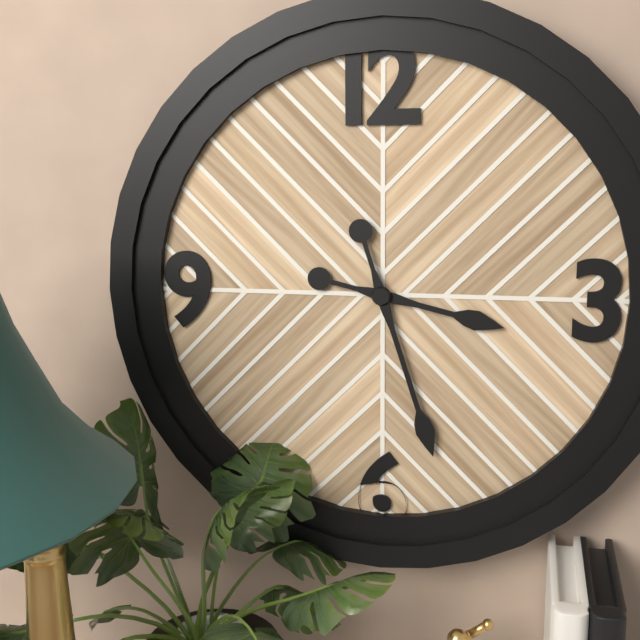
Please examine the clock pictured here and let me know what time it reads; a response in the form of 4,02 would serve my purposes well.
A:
3,27
